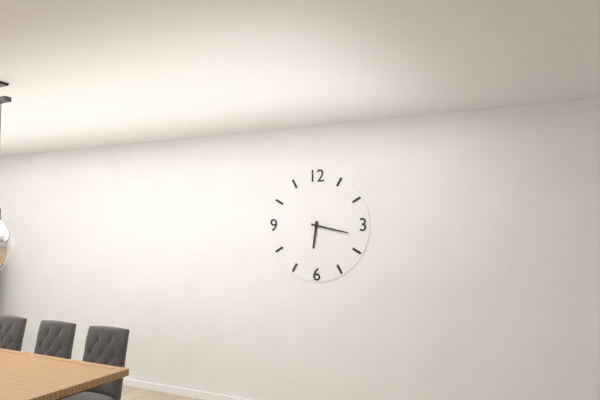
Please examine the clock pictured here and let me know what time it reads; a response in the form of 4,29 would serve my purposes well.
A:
6,17
